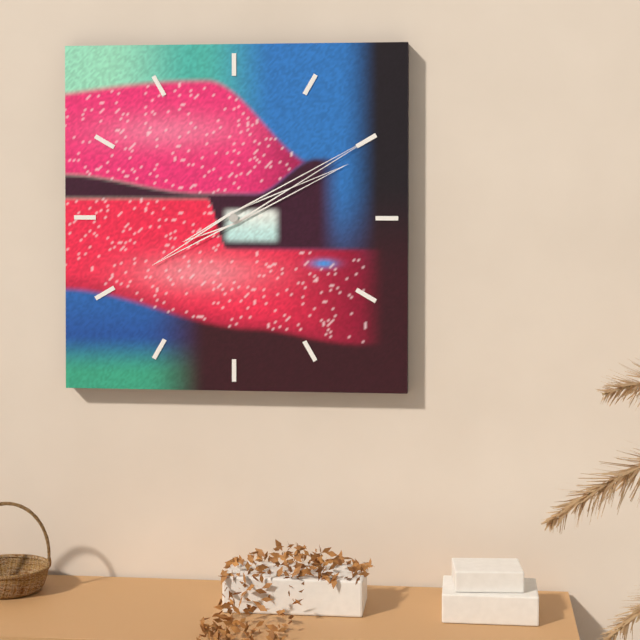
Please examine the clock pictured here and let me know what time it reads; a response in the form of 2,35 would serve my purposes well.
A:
2,10
